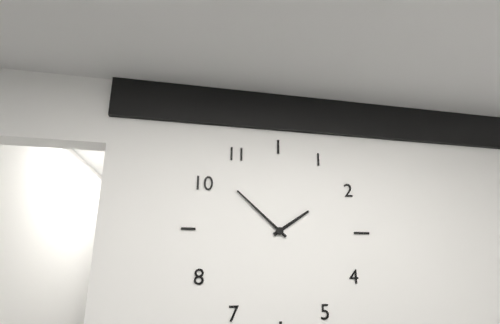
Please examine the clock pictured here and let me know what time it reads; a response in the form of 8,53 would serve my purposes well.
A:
1,52
